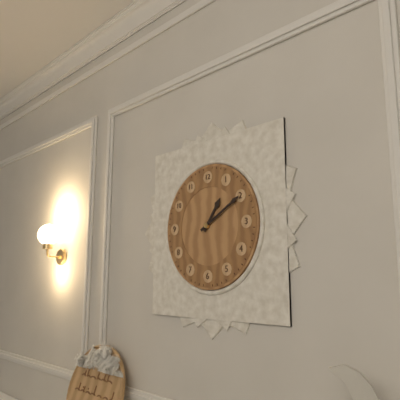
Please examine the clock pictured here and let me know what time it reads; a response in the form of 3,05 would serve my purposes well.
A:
1,10
